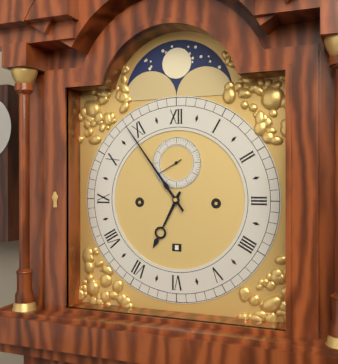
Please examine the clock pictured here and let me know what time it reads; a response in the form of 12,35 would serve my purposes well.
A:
6,54
